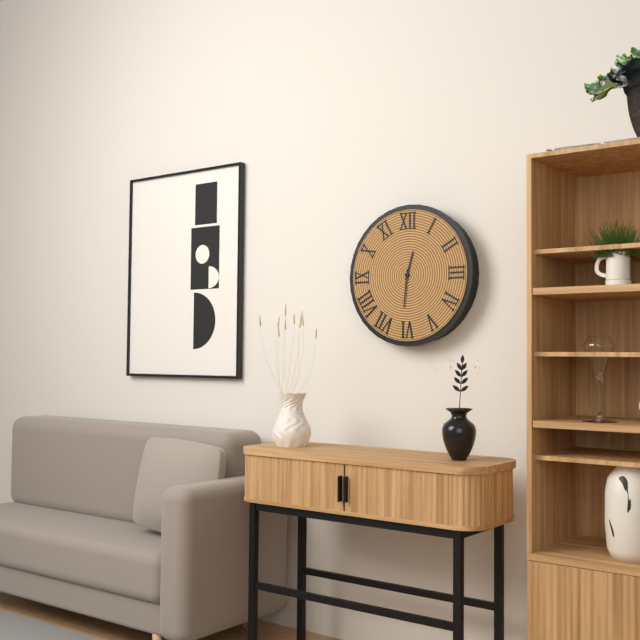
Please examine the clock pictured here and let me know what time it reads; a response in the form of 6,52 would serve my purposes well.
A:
12,31
